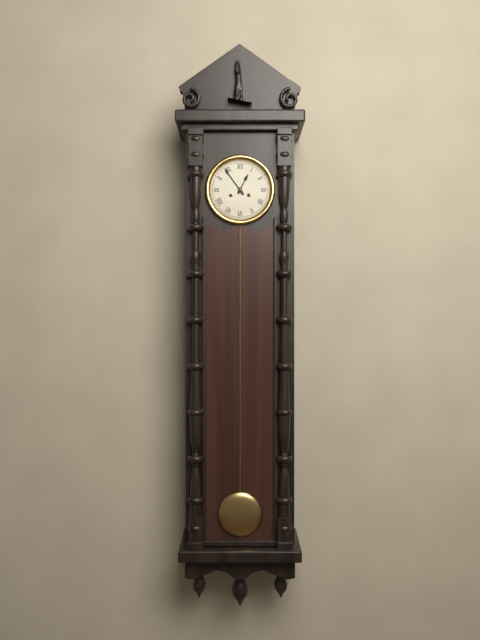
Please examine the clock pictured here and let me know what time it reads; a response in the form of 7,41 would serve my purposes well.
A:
12,54
